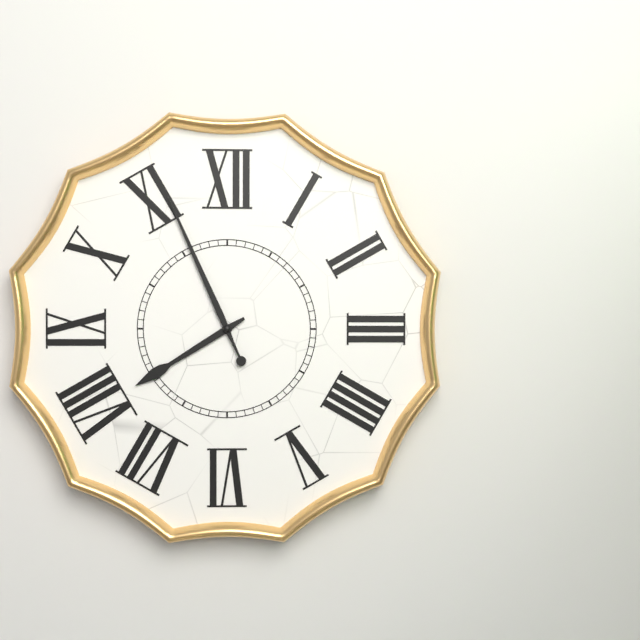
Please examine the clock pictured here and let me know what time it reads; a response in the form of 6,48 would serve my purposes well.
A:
7,56
